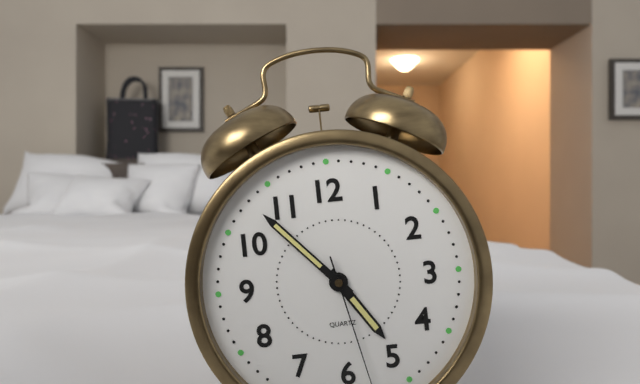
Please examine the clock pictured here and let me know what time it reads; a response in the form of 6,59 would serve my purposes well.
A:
4,53
